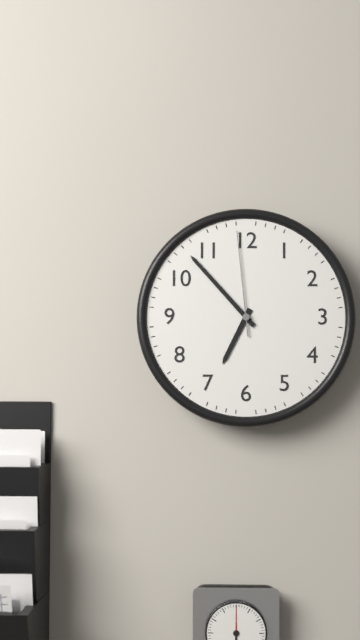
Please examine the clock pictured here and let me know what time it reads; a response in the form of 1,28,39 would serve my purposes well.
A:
6,53,59
